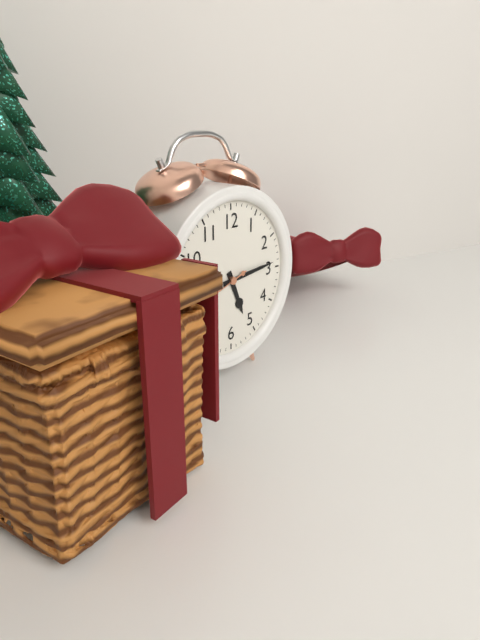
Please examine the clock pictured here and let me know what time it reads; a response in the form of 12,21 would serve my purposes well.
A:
5,14
